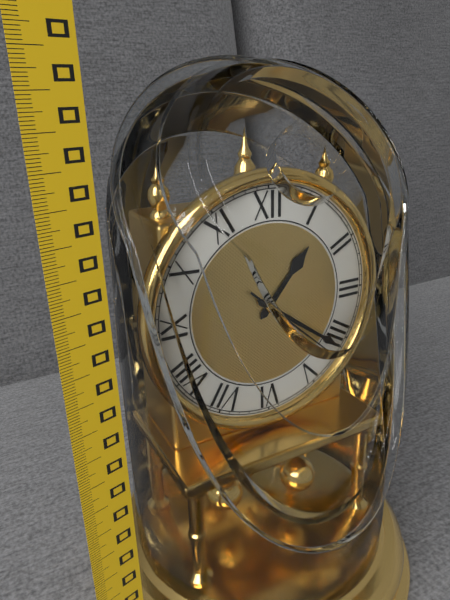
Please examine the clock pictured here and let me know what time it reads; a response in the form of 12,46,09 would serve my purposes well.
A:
1,21,22
